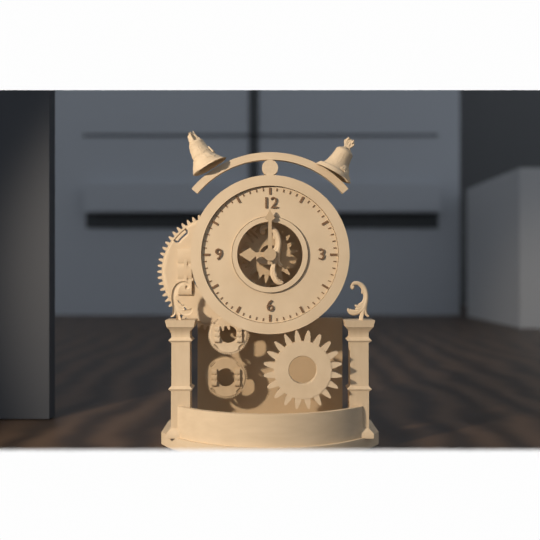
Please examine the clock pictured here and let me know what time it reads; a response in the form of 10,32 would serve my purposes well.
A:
9,00
